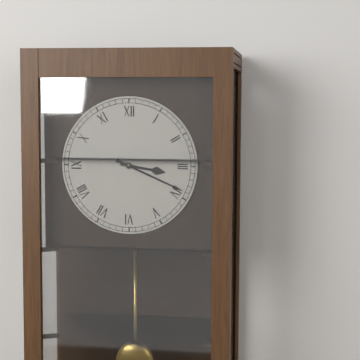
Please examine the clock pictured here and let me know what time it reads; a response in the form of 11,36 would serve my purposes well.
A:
3,19
